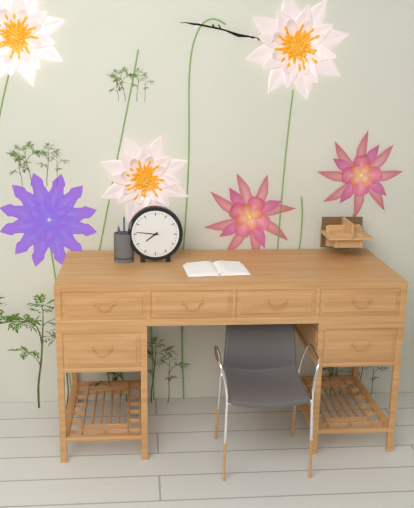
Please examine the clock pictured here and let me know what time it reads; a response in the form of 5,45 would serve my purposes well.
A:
7,46
